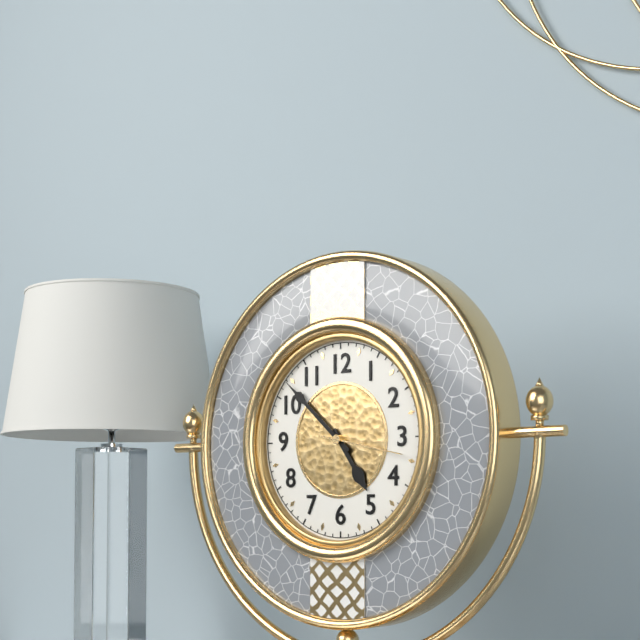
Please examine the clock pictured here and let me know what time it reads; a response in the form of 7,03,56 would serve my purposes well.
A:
4,52,17
